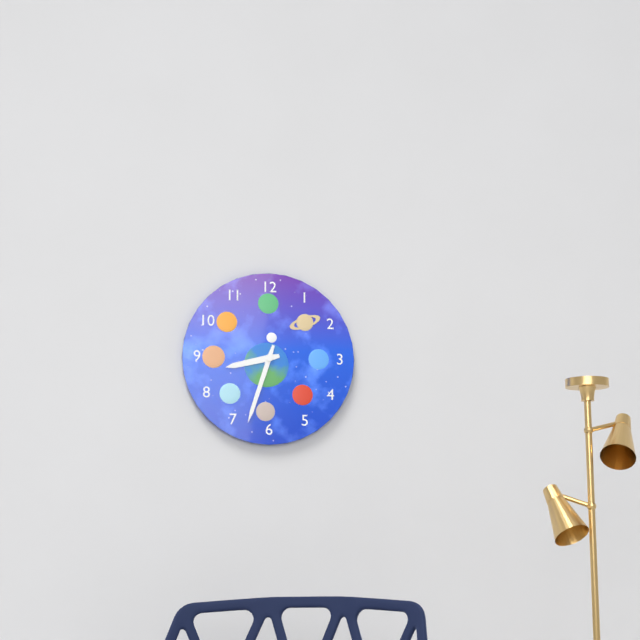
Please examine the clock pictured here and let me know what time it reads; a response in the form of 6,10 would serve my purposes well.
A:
8,33
